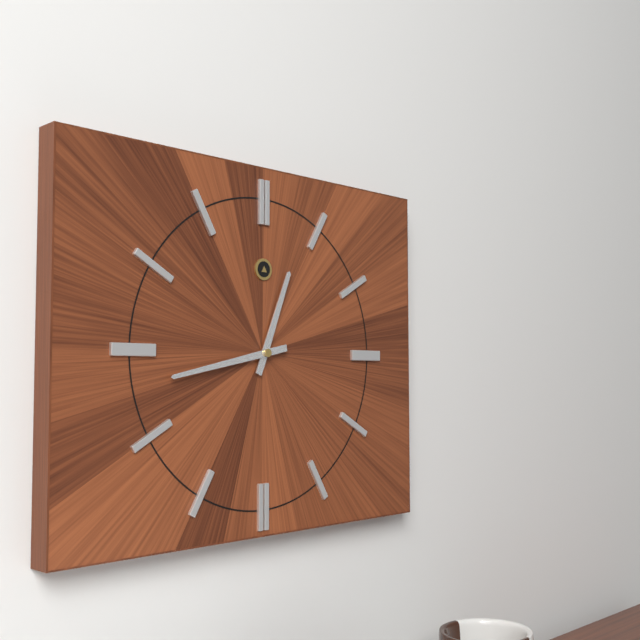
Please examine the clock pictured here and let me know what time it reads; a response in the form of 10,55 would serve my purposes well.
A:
12,43
